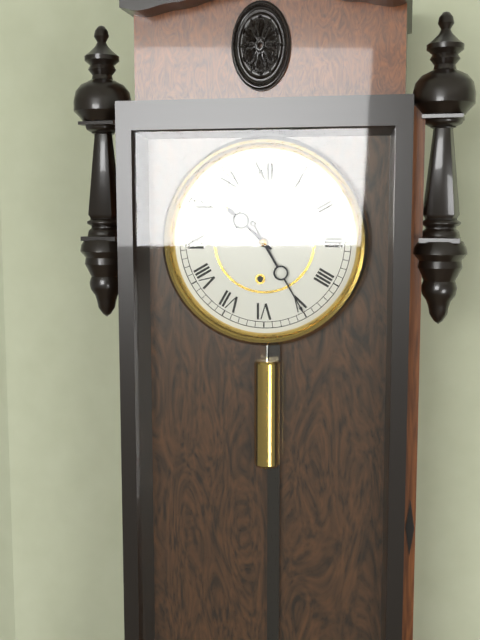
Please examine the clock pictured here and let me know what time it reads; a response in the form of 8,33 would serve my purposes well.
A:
10,25
